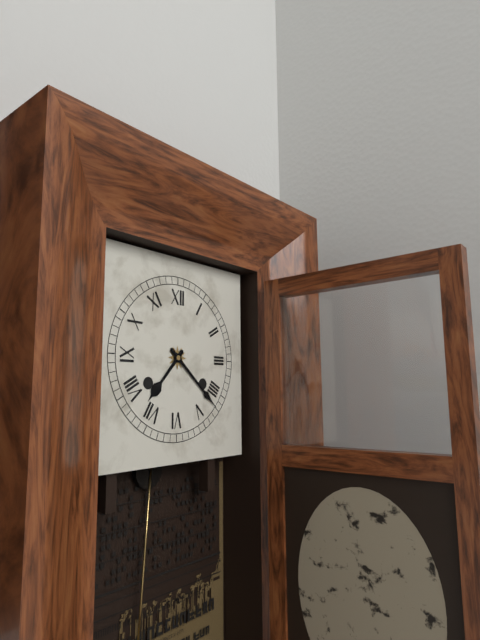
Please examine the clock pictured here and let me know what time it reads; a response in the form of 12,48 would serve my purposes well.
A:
7,22
